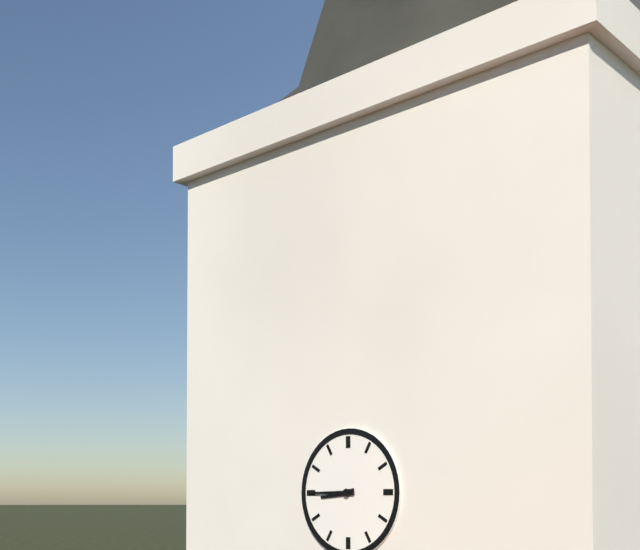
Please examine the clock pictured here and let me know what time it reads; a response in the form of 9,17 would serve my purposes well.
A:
8,45
